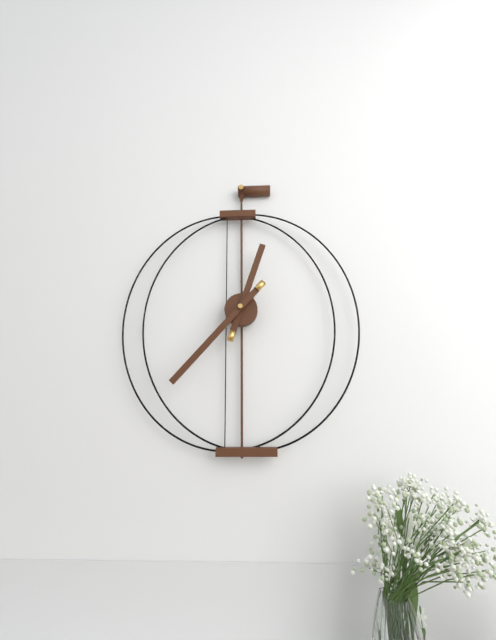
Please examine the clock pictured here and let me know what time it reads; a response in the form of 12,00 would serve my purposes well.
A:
12,37
